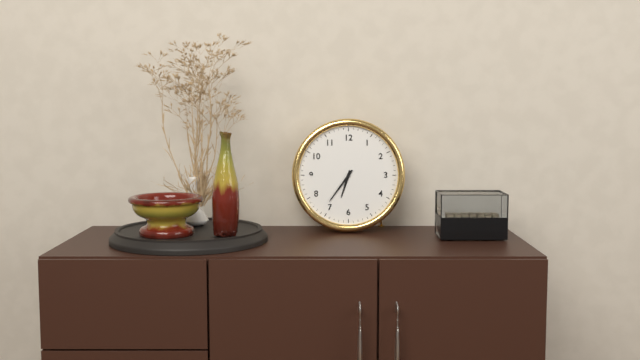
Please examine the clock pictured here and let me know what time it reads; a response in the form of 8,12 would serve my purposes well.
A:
6,36
